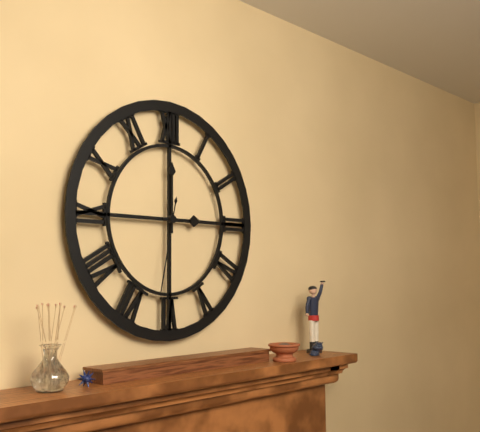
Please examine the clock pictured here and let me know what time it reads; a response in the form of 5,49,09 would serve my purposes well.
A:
3,00,32
